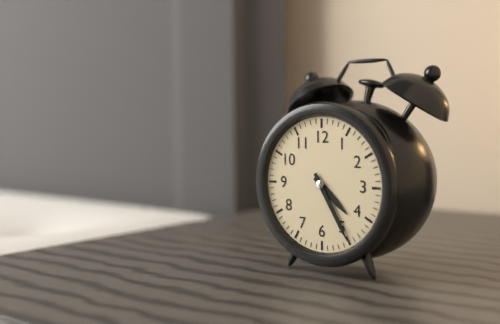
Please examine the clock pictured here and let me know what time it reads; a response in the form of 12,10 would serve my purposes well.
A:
4,25
